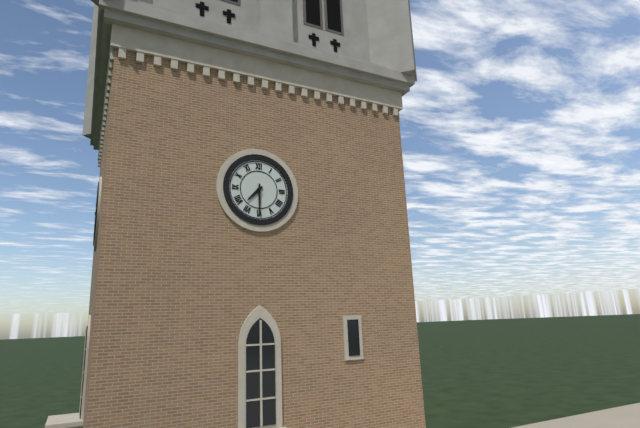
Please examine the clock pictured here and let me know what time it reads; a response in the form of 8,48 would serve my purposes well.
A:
7,30
